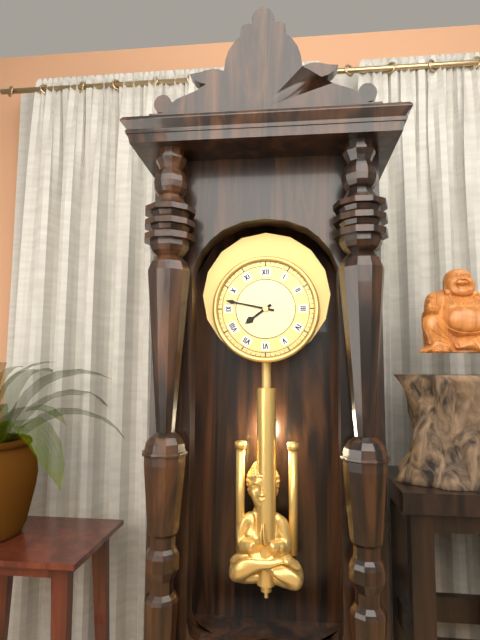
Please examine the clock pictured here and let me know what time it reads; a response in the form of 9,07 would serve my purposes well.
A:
7,47
